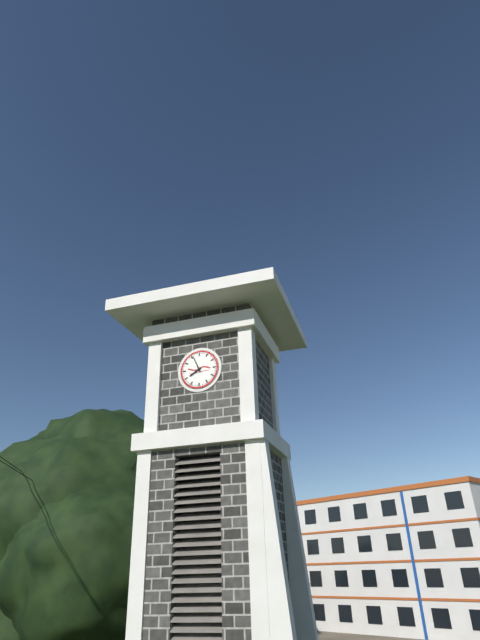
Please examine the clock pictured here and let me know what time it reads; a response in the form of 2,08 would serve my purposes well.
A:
7,56
